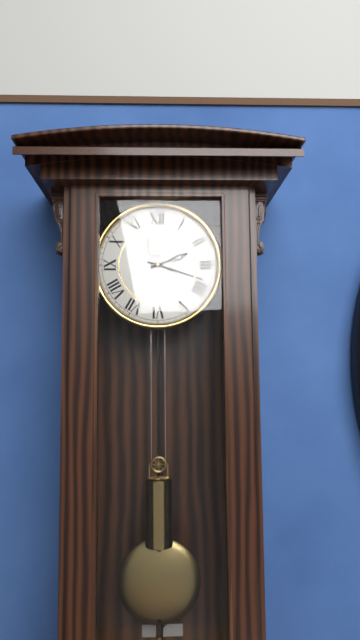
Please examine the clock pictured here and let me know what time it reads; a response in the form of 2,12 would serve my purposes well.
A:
2,18
